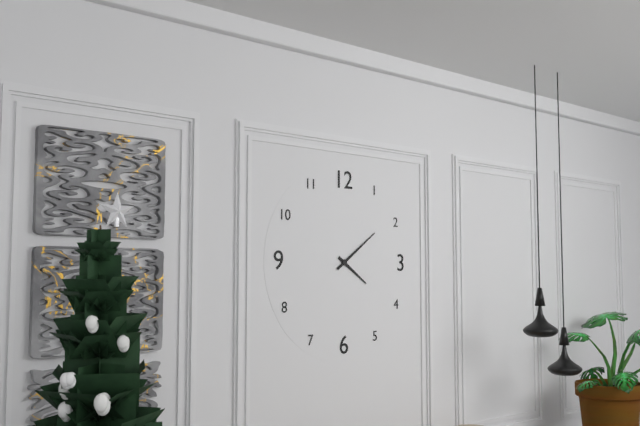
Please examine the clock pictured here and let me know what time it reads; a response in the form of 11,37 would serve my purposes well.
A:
4,09
